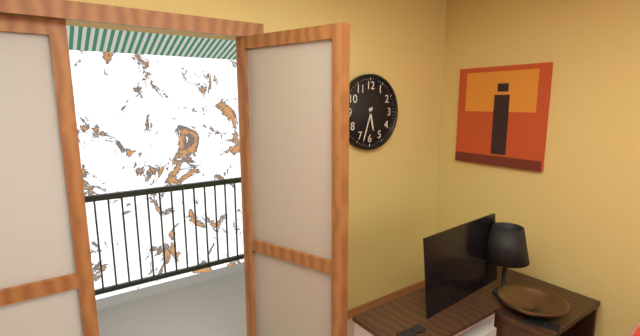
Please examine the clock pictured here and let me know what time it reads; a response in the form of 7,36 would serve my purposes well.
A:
5,33
